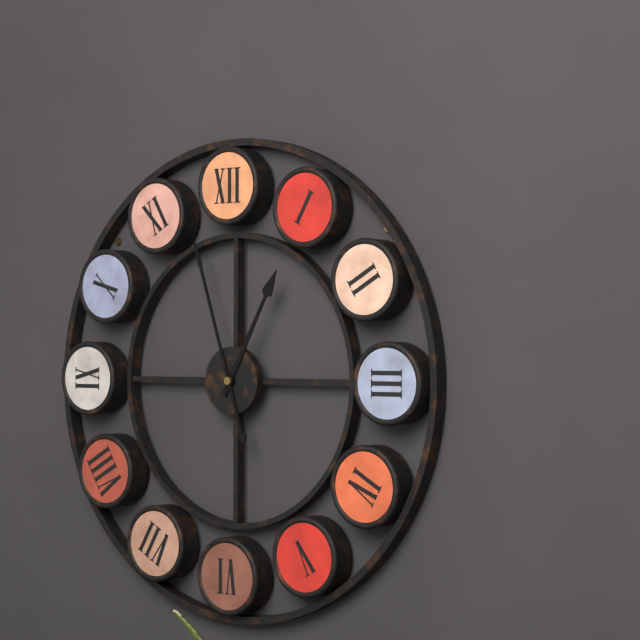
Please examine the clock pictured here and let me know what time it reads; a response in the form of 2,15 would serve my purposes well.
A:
12,57
